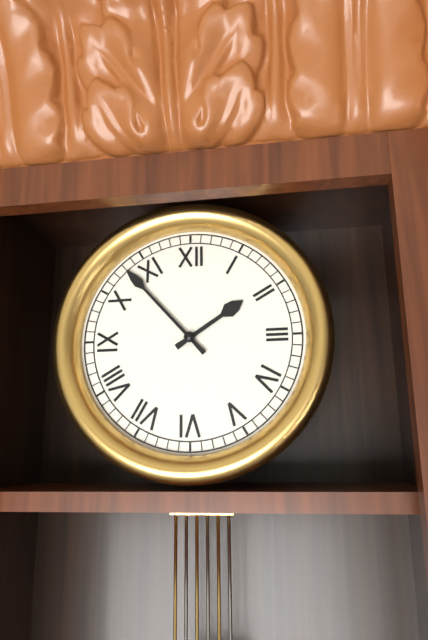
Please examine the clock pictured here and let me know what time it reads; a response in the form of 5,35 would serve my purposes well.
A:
1,53
